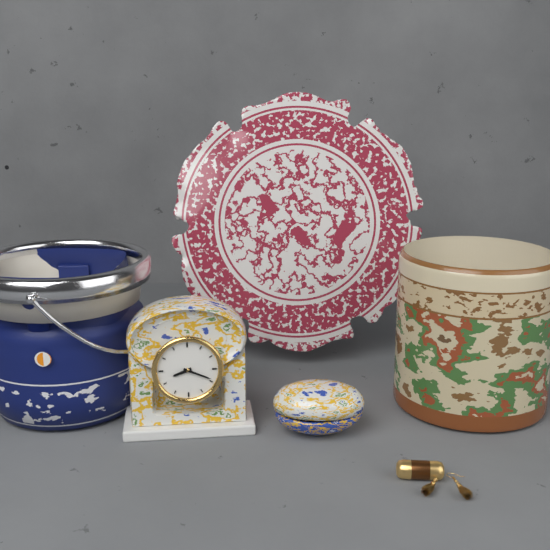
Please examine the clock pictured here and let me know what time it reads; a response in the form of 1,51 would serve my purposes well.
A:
8,19
